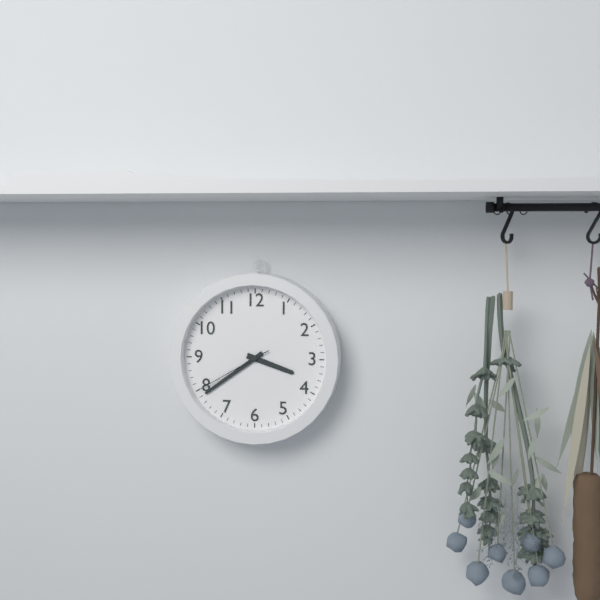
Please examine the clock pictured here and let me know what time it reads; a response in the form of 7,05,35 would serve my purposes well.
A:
3,39,40
